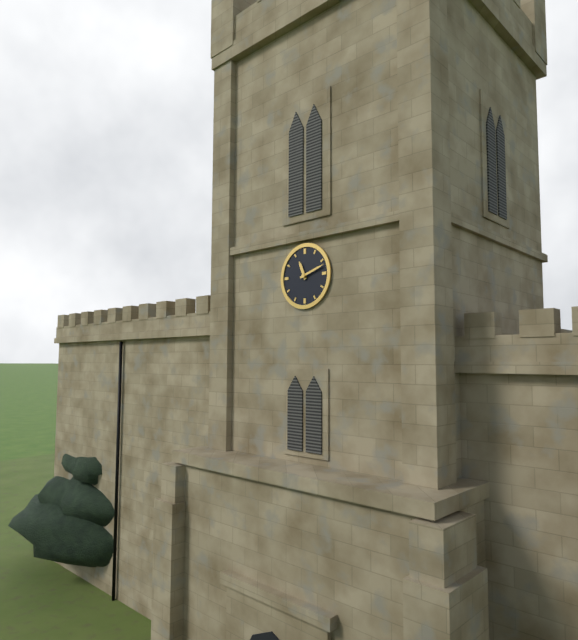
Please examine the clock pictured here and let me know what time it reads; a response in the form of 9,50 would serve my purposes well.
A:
11,12
